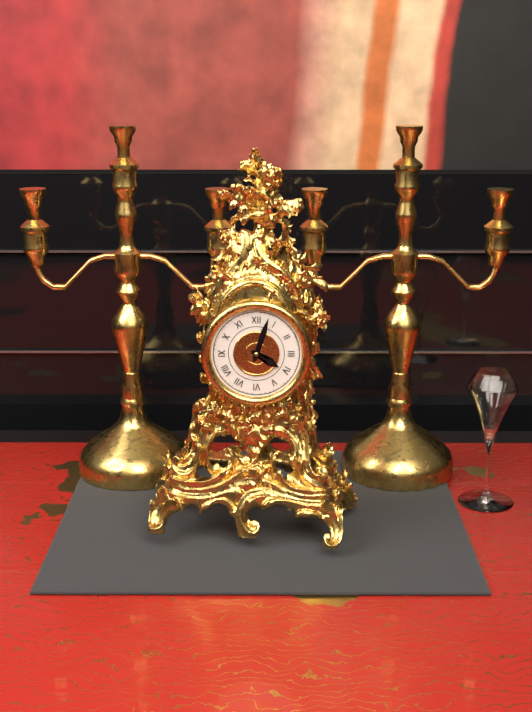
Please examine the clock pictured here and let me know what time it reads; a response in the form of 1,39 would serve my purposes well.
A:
4,03
